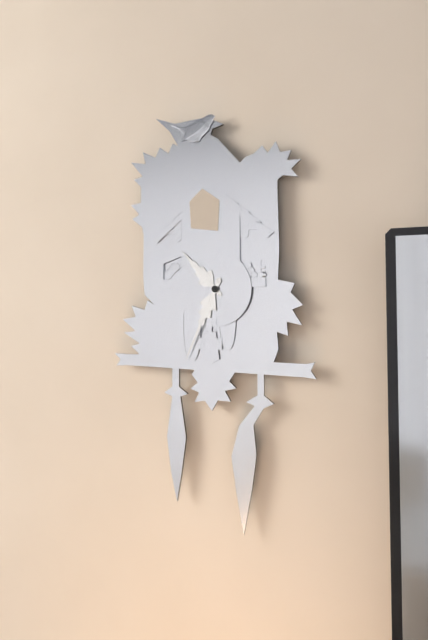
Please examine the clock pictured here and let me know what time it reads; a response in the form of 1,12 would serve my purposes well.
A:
10,34
